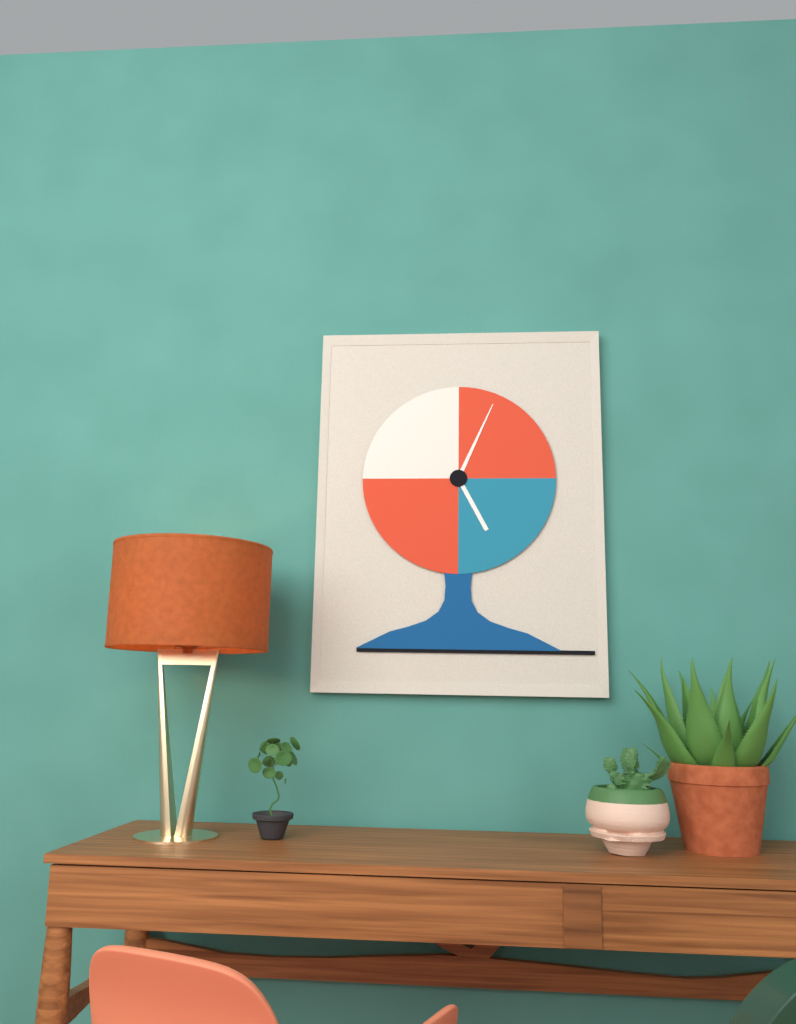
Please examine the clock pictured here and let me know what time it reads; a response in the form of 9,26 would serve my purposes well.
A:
5,04
